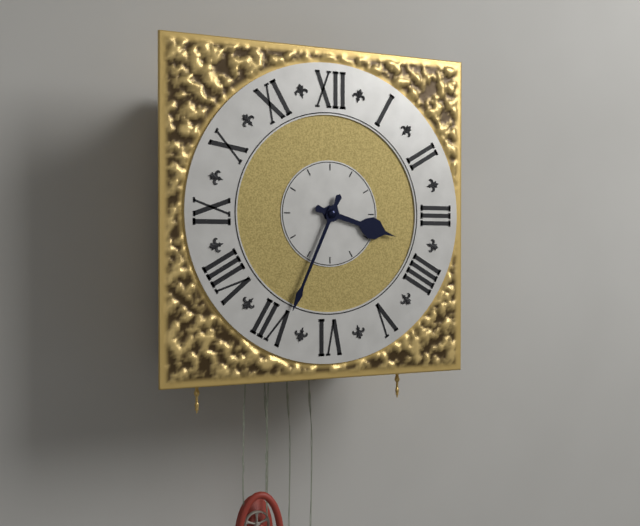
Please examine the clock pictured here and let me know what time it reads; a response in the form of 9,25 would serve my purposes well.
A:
3,34
